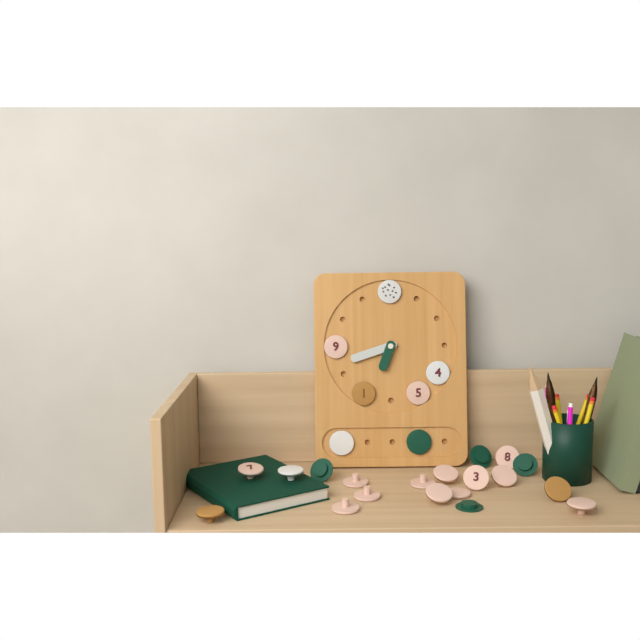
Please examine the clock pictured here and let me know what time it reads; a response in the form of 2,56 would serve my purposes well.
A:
6,42
